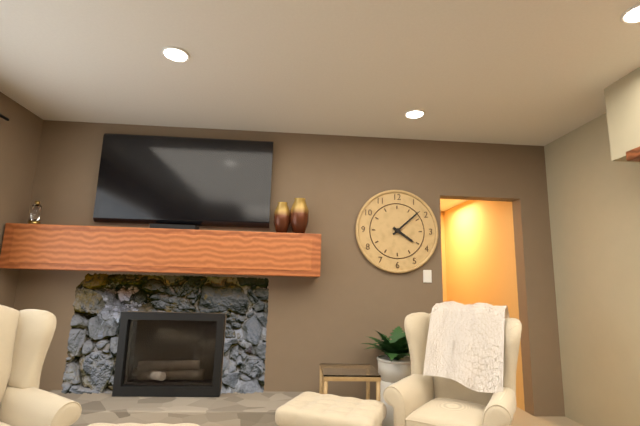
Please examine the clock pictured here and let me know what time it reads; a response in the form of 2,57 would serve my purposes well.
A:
4,08
